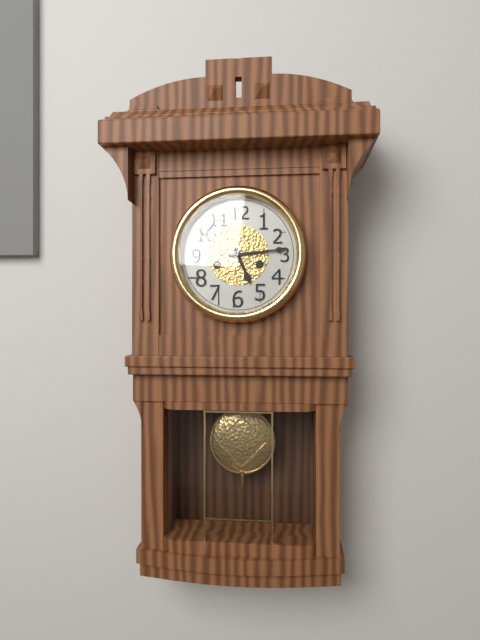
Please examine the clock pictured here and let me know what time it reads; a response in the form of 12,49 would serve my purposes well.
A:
5,14
